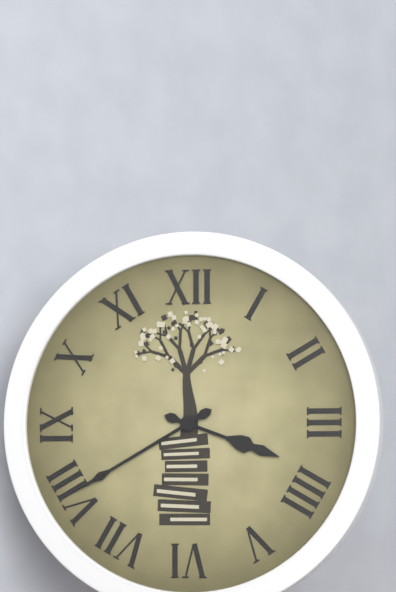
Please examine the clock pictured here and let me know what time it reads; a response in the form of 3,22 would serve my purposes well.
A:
3,40
